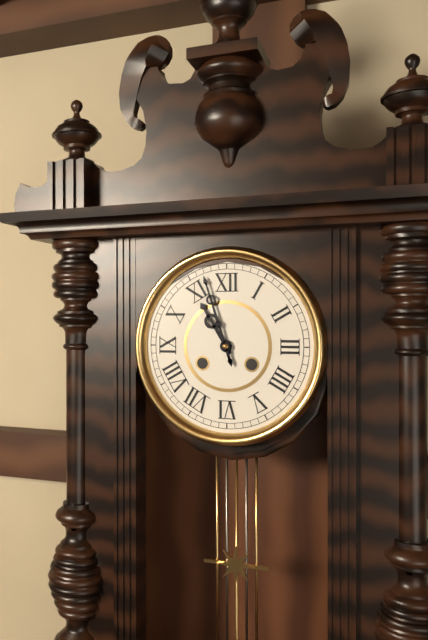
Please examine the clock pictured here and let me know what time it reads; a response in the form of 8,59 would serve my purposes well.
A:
10,57
